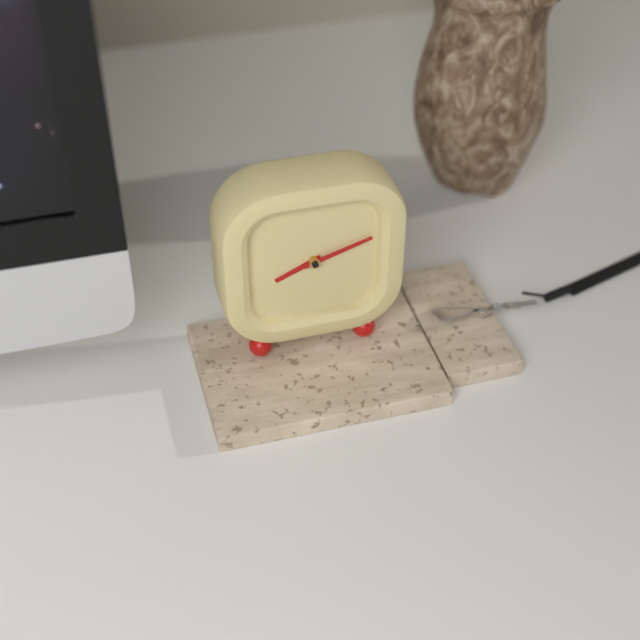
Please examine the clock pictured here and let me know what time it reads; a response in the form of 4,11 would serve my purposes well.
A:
8,12
